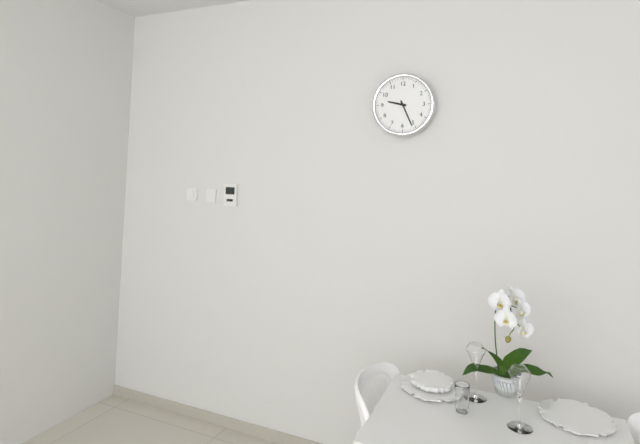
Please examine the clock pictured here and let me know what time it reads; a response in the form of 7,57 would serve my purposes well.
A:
9,26
